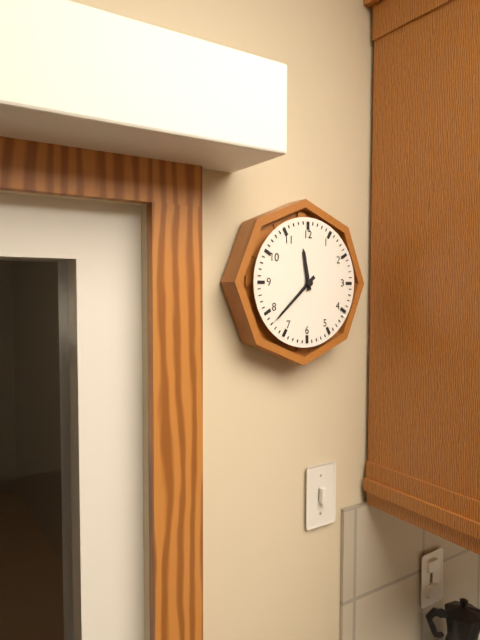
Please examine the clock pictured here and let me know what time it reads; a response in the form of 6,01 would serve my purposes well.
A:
11,38
